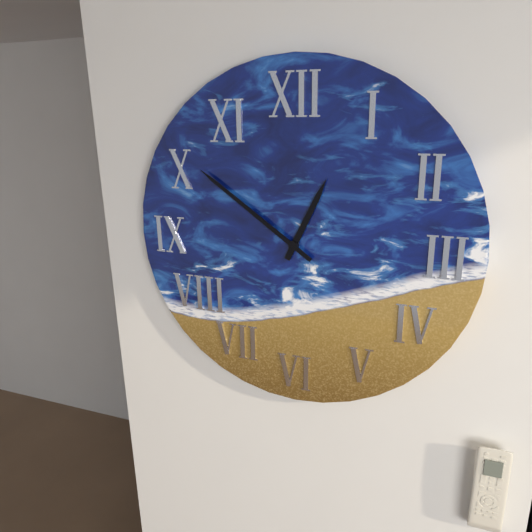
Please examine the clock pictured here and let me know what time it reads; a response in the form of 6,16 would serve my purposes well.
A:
12,51
